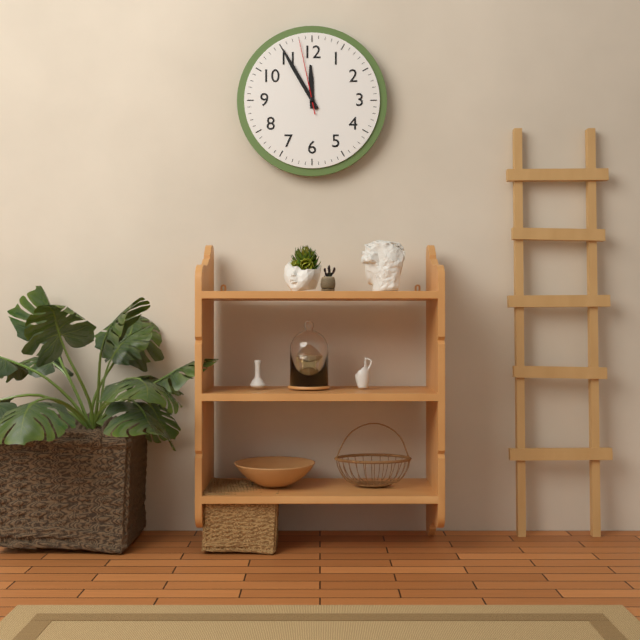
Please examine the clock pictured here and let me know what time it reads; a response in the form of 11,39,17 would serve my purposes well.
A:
11,55,58
